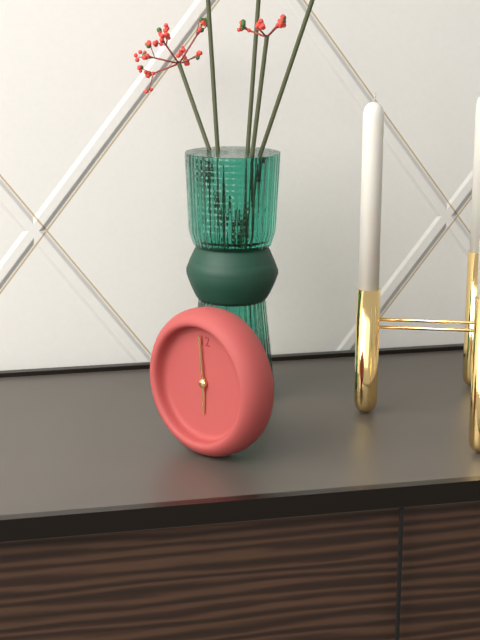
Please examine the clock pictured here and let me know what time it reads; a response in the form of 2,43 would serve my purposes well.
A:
5,59
